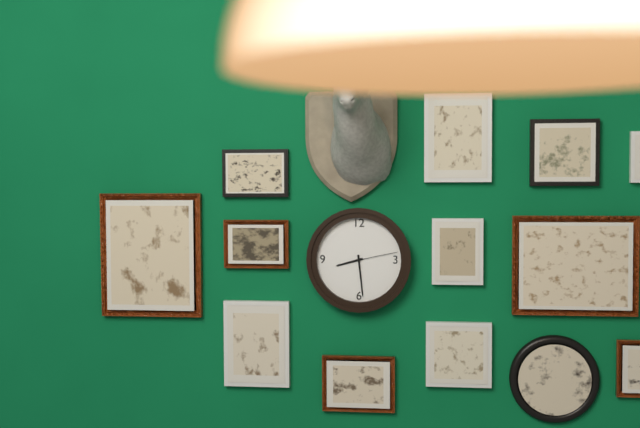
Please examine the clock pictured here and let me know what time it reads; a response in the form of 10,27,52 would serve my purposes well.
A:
8,29,13
